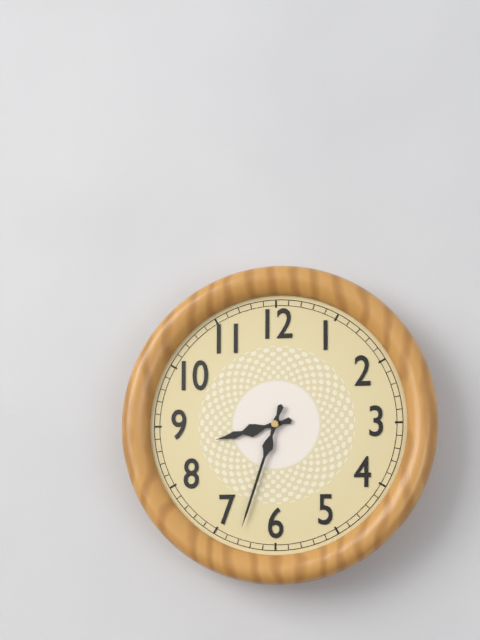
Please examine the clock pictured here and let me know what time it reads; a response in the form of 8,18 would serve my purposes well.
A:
8,33
